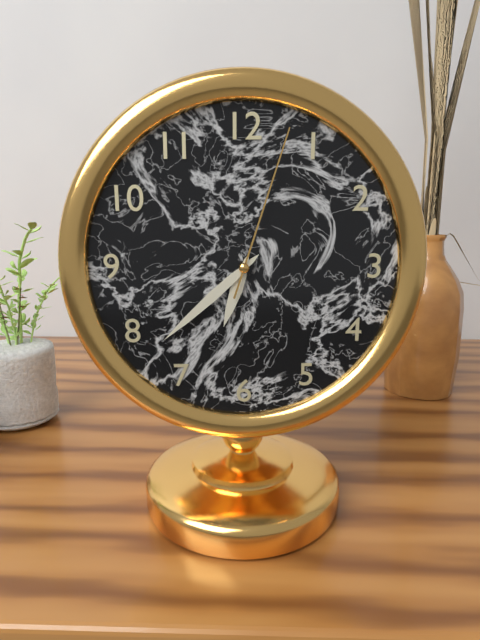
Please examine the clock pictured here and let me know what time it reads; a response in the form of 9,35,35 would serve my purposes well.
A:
6,38,03
